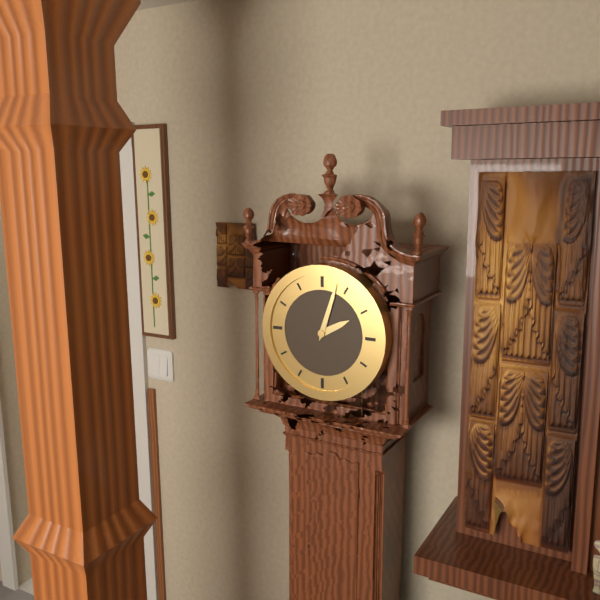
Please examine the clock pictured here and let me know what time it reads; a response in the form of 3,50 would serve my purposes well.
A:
2,03
